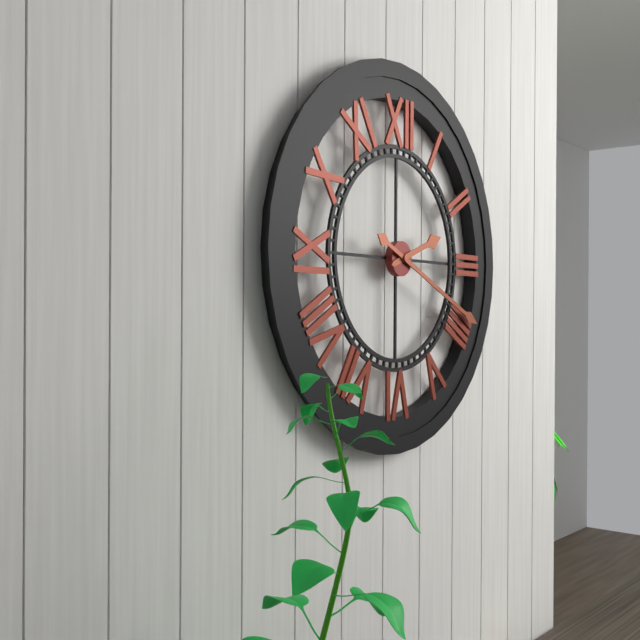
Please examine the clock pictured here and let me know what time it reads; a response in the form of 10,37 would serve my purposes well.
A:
2,19
